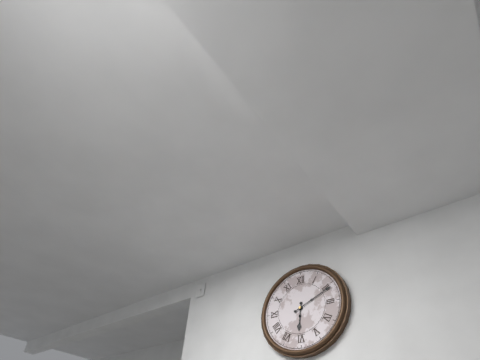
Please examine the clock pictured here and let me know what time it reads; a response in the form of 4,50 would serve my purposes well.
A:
6,11
